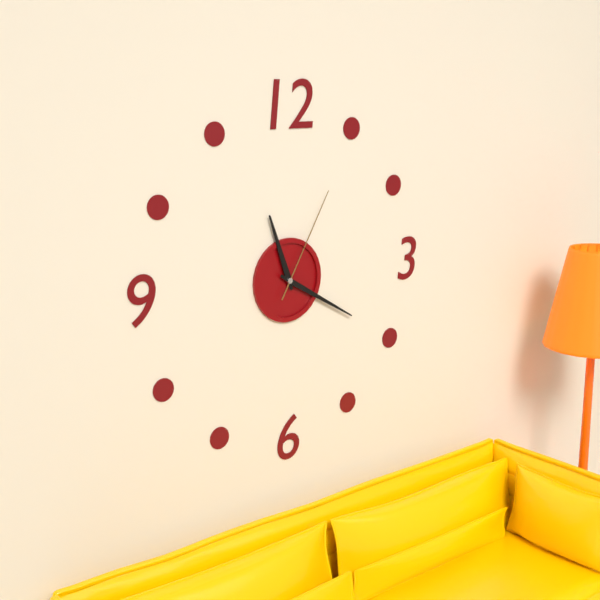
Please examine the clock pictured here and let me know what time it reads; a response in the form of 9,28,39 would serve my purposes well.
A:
11,20,05
